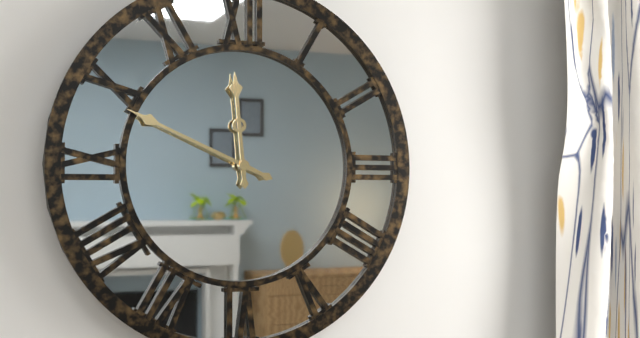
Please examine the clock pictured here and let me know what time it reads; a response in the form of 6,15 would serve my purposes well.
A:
11,49
